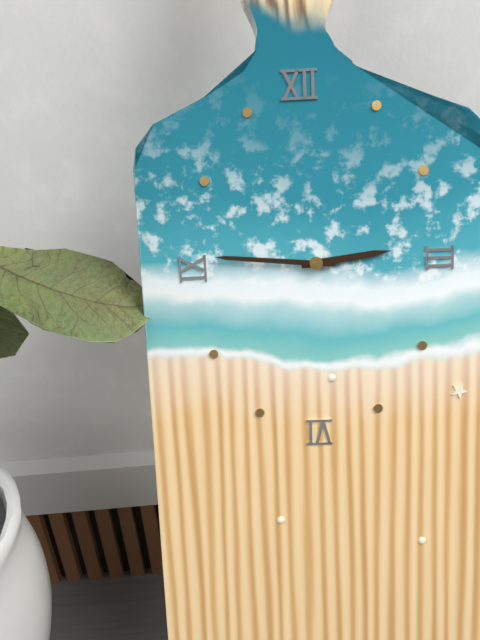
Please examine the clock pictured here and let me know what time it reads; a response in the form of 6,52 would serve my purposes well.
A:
2,46
